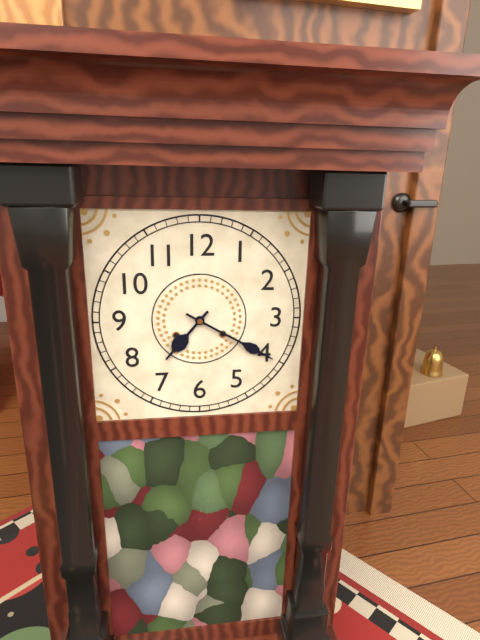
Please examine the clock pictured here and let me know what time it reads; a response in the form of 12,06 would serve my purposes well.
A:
7,20
